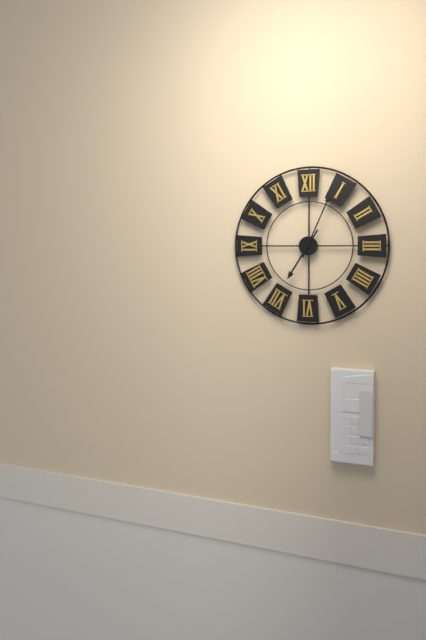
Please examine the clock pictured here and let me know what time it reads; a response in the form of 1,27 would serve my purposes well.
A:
7,04
